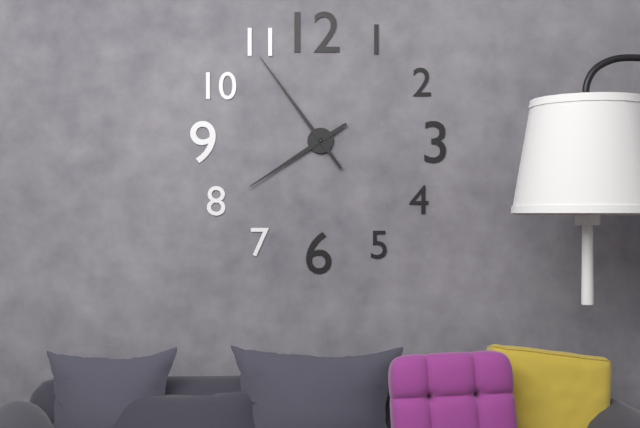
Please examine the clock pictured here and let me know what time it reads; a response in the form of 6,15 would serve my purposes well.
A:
7,54
